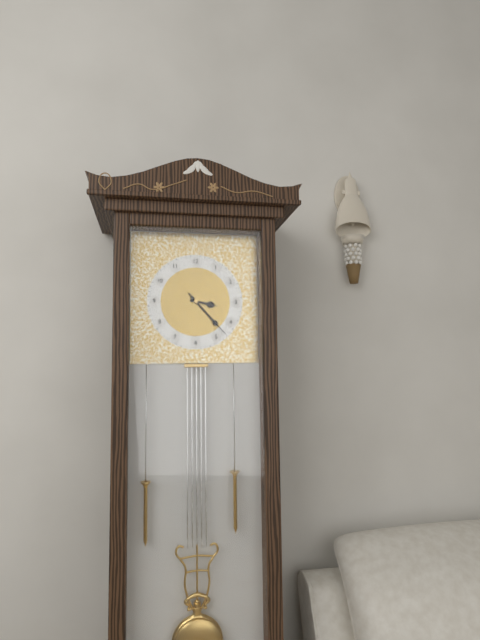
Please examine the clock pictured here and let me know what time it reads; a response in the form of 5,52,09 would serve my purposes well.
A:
3,23,23
